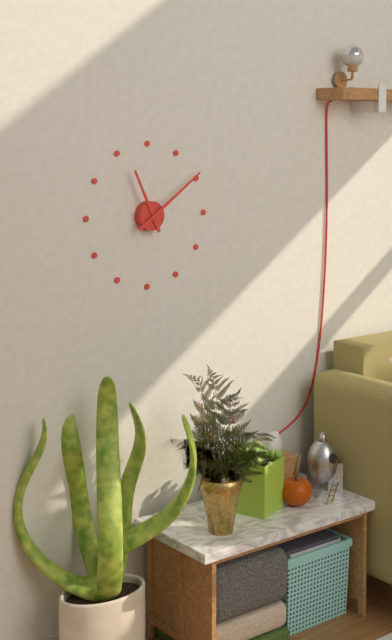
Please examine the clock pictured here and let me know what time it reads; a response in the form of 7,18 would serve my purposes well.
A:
11,09
